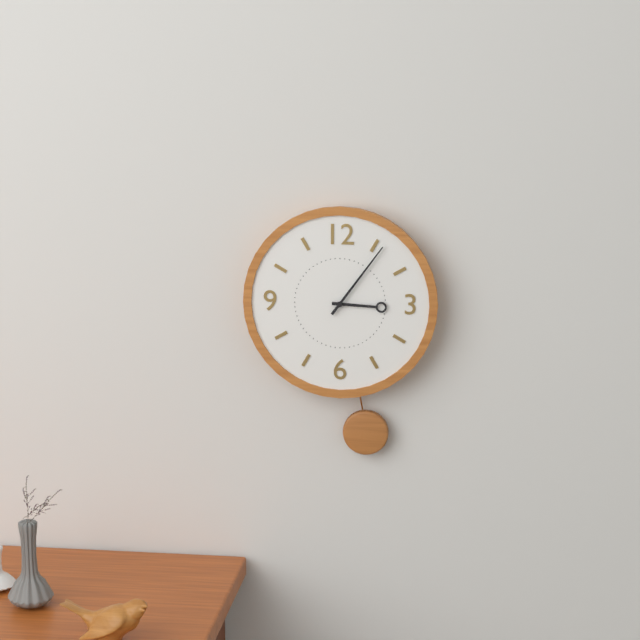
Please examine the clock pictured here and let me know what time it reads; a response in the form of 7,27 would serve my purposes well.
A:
3,06
